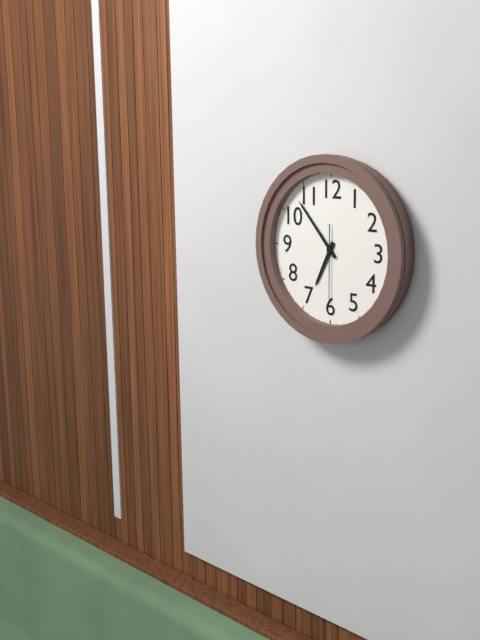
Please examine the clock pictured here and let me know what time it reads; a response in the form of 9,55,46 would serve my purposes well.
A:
6,53,30
